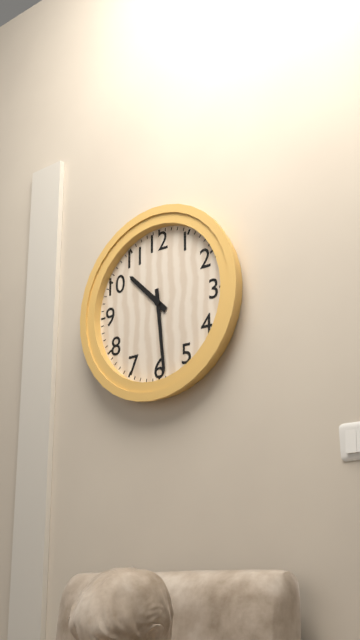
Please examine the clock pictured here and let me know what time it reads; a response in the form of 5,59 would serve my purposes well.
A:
10,29
